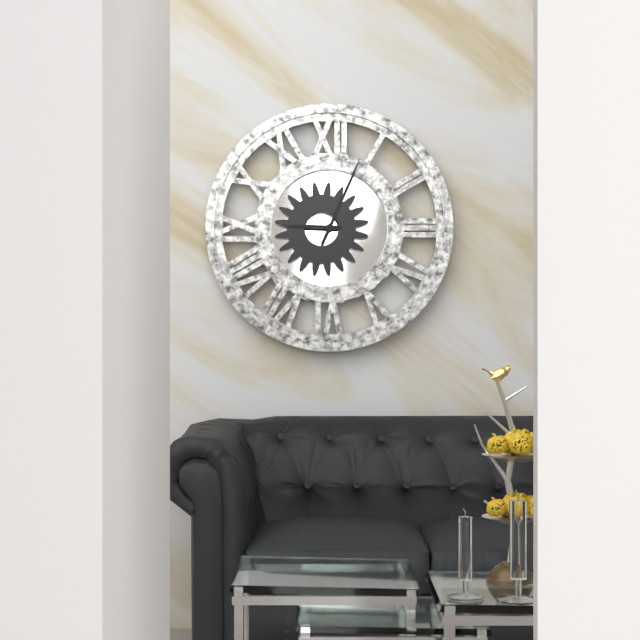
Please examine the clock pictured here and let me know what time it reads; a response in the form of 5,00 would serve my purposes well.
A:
9,04
